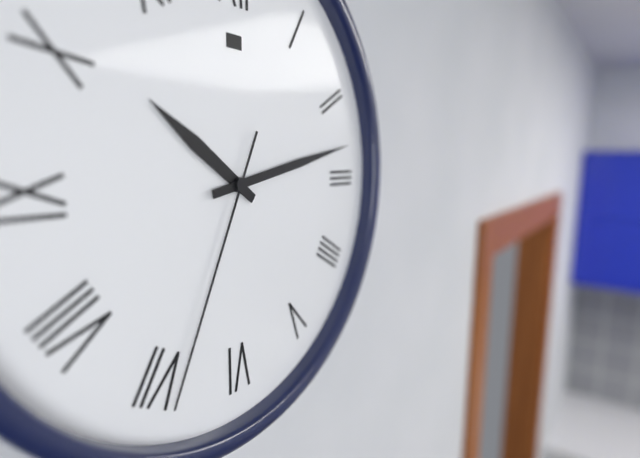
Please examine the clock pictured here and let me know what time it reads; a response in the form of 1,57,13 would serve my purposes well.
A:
10,13,34
